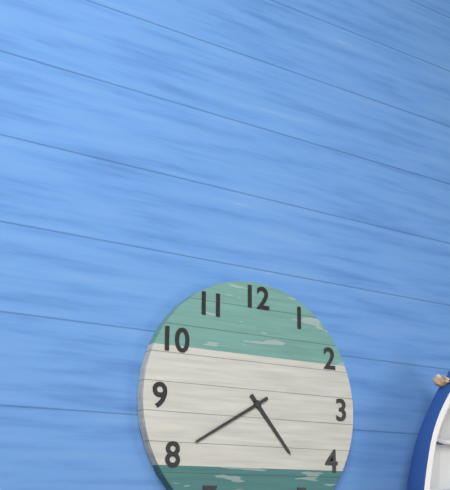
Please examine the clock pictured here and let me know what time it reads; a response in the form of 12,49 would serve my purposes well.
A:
4,40
